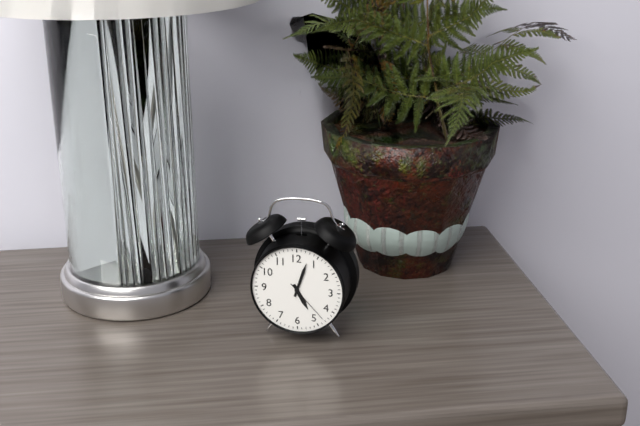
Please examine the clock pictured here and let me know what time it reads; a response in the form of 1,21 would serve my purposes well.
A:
5,03
